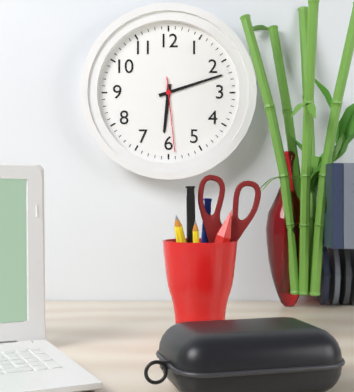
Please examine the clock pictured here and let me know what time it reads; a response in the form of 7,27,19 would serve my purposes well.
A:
6,12,29
